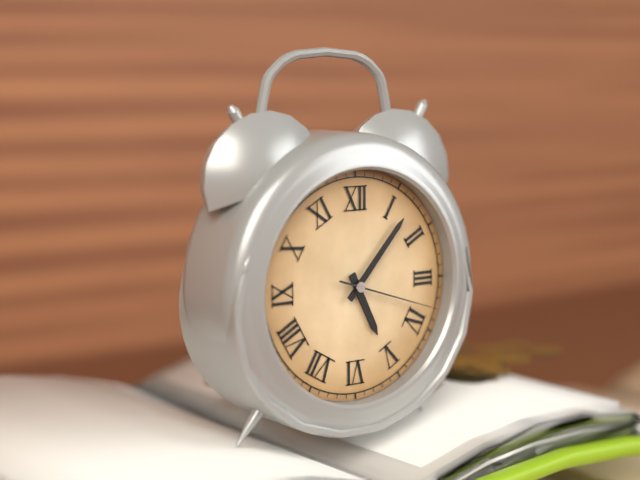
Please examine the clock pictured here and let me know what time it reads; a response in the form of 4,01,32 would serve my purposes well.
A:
5,07,18
